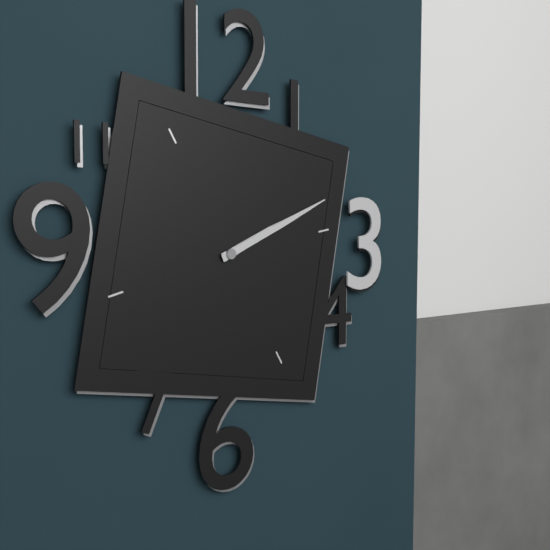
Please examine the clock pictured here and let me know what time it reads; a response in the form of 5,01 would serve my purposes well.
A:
2,11
